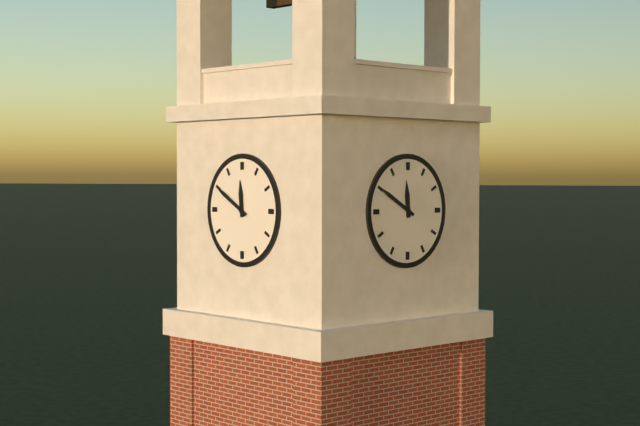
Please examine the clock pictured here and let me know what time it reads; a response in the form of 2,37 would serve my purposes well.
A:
11,50
